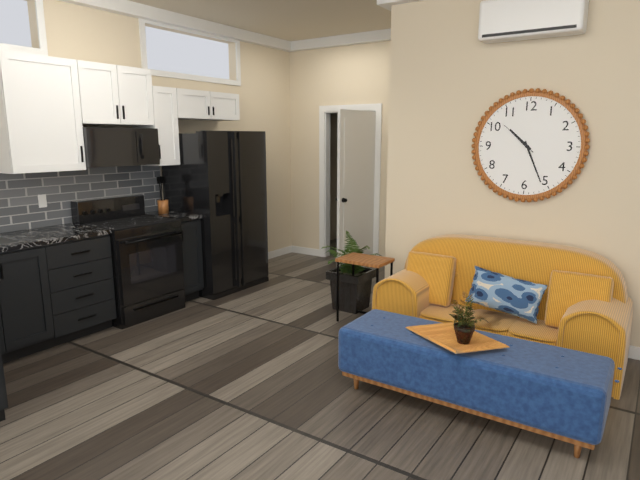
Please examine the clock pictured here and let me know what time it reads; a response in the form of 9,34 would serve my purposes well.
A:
10,26
